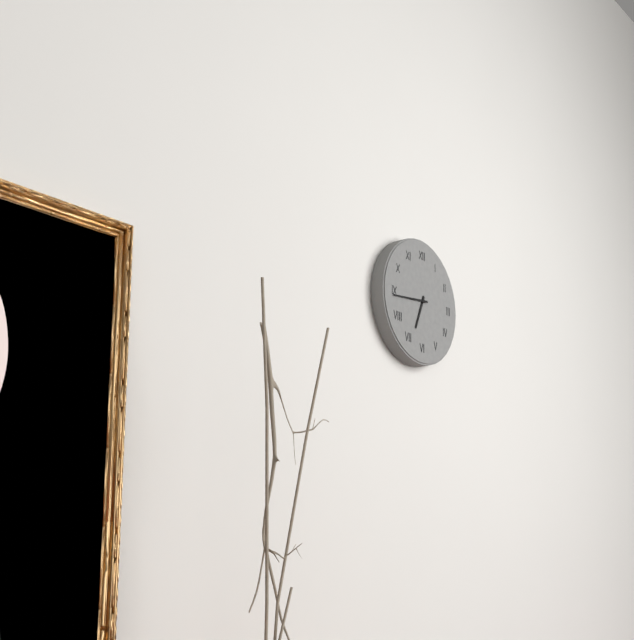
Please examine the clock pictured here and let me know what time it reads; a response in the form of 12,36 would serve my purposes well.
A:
6,44
